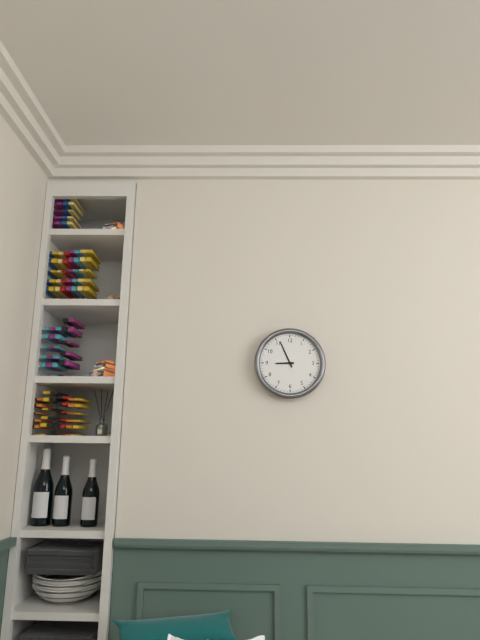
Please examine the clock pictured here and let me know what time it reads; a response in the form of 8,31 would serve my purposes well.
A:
8,56
